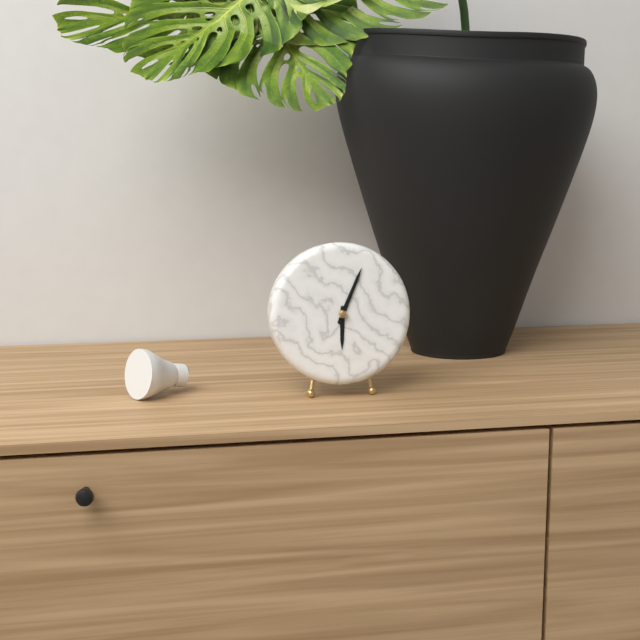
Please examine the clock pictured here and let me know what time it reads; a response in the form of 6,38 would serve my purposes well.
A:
6,04
